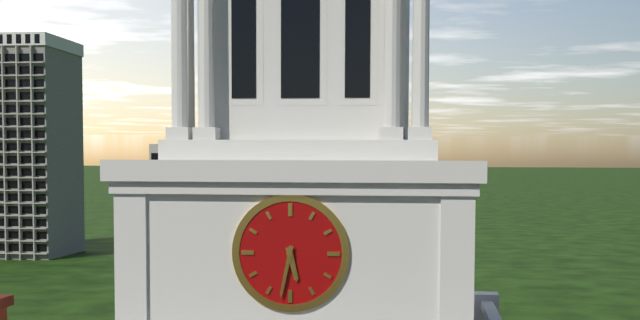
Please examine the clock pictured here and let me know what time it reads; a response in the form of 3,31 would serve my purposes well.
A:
5,32
